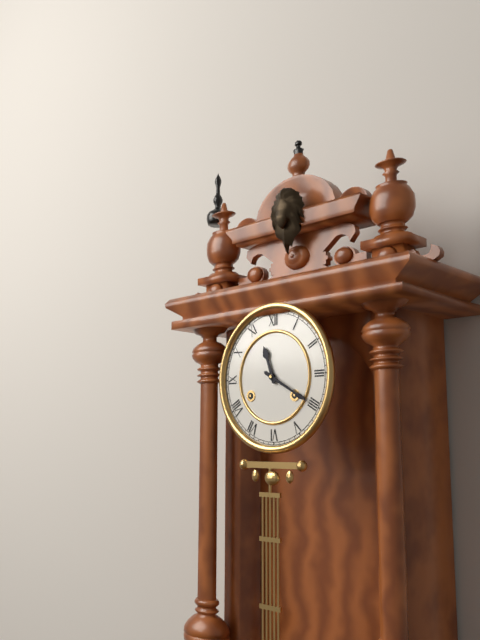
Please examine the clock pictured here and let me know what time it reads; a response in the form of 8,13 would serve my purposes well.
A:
11,20
